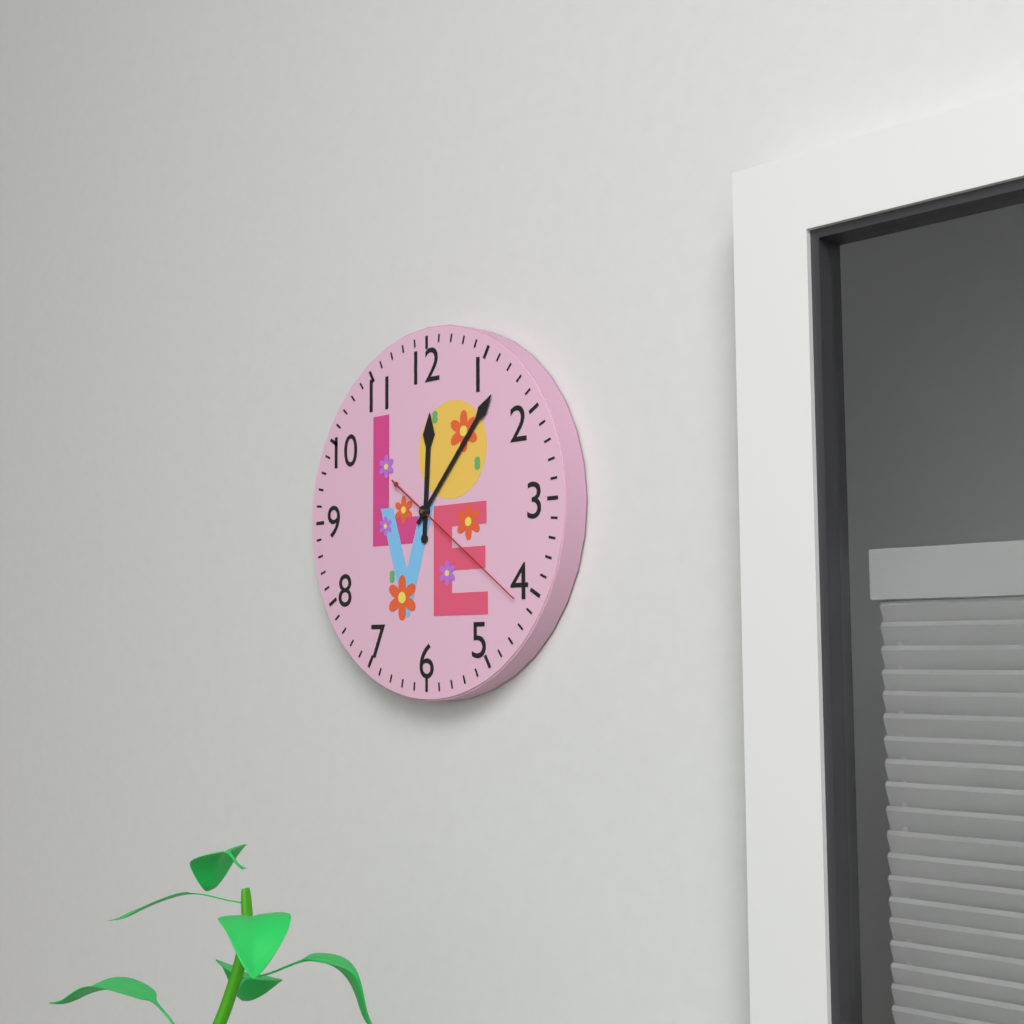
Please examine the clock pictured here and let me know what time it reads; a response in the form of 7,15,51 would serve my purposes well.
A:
12,07,21
